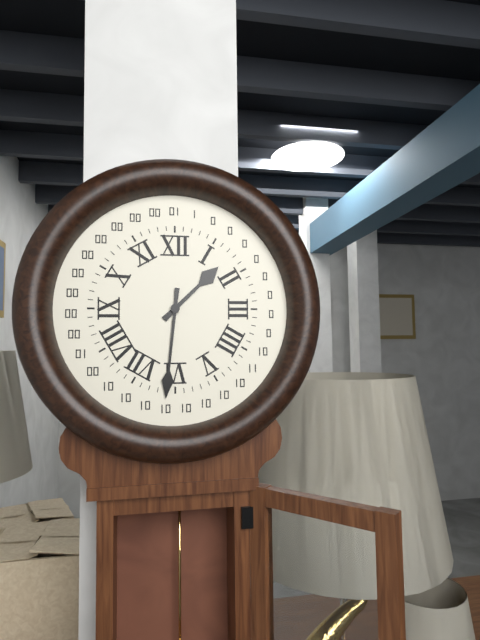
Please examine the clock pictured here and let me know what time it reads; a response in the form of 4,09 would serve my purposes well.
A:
1,31
